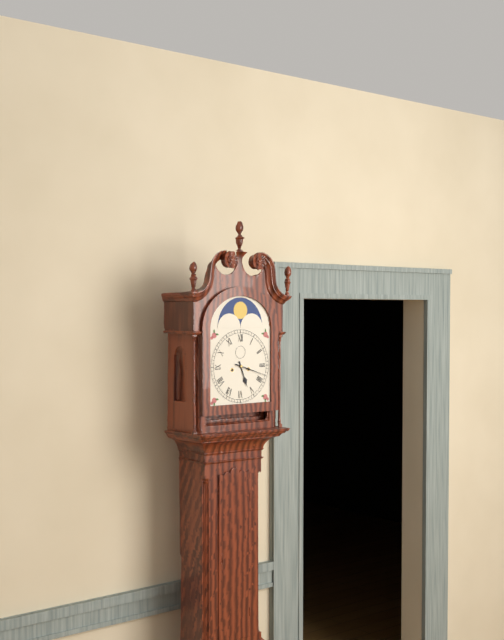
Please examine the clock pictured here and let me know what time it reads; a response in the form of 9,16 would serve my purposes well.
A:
5,18
